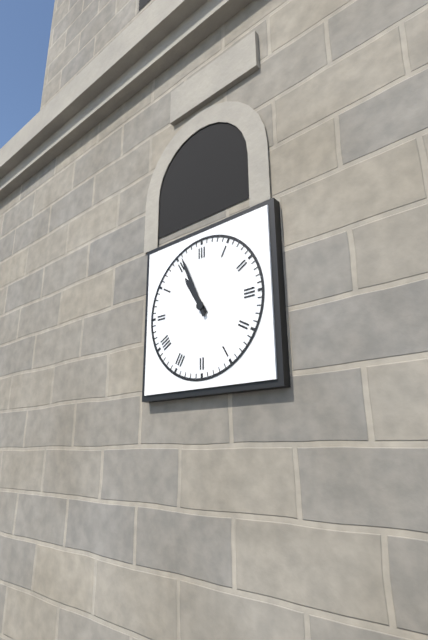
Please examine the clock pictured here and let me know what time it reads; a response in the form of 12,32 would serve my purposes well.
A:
10,56
